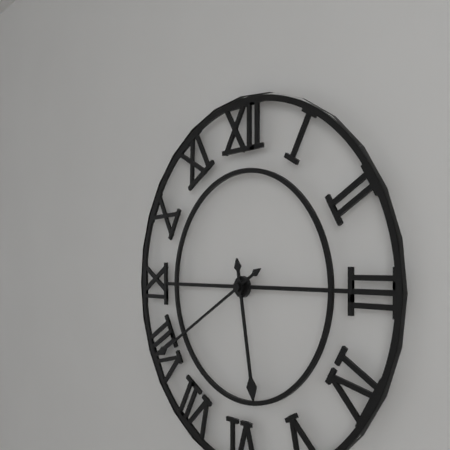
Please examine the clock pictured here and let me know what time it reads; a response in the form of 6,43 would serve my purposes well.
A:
5,40
